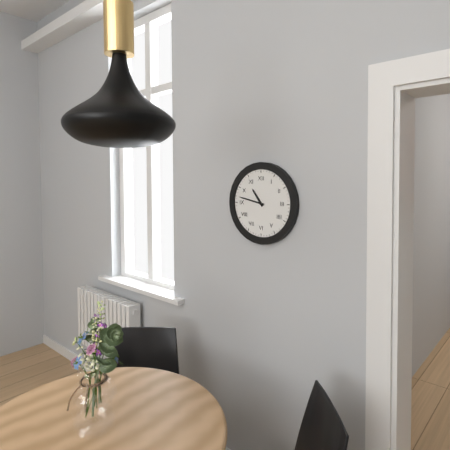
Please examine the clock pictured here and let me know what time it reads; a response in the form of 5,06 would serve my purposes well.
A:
10,47
